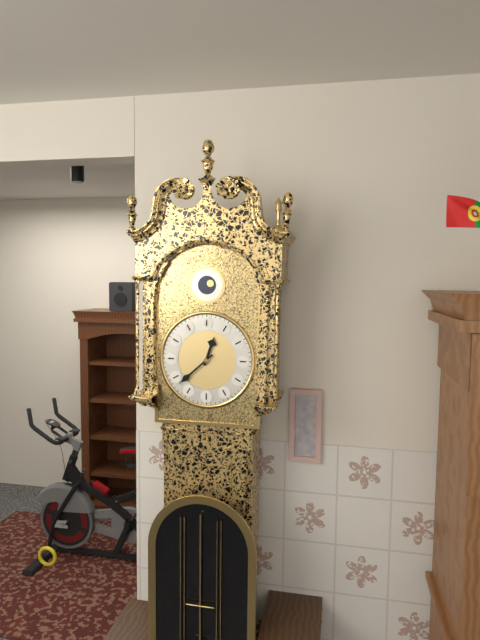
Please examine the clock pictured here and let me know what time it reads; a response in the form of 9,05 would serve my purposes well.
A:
12,38
